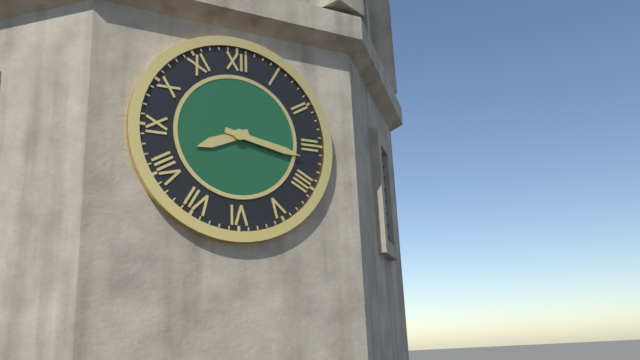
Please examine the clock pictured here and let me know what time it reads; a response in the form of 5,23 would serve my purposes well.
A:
8,17
